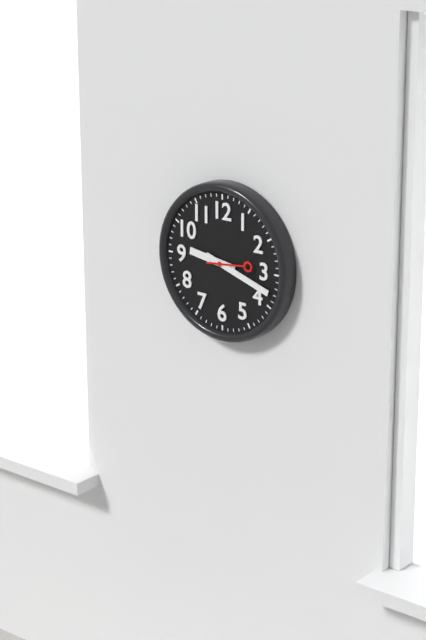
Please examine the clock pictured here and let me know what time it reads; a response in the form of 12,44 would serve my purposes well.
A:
9,18
